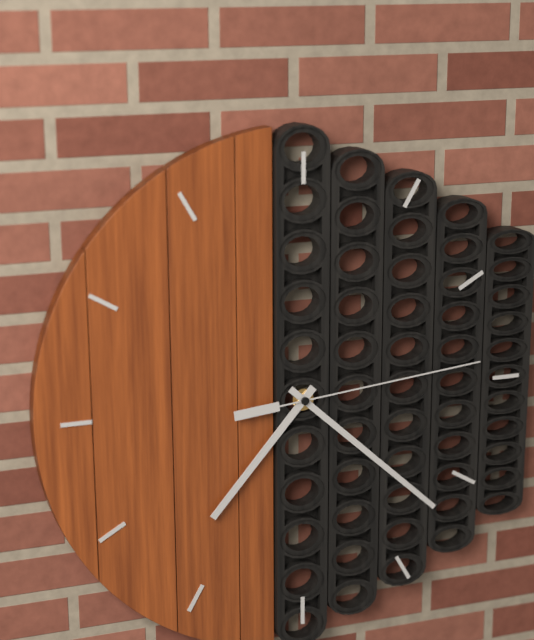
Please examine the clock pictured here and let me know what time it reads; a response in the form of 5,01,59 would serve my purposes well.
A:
7,22,14
